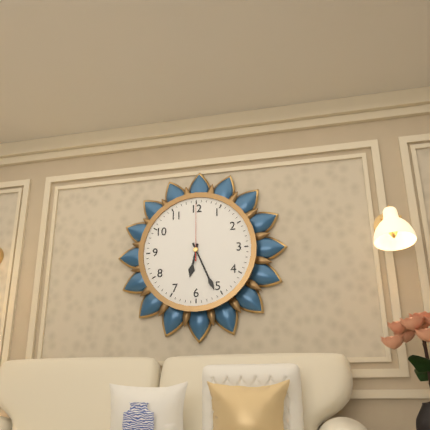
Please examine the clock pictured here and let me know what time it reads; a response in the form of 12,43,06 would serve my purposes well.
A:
6,26,00
